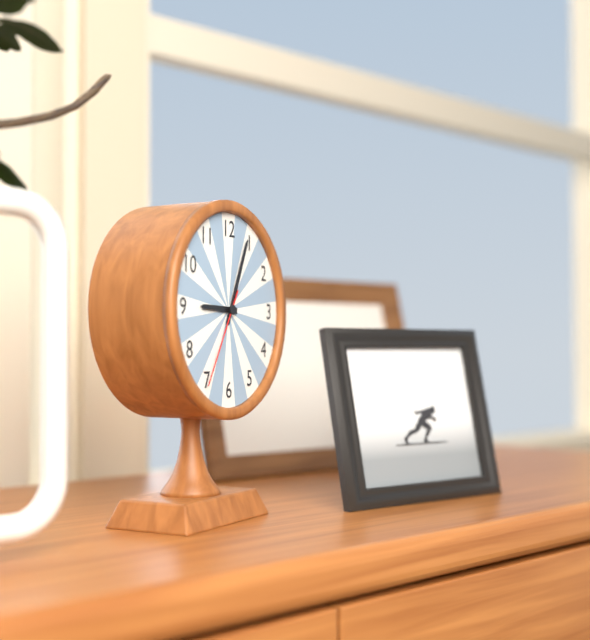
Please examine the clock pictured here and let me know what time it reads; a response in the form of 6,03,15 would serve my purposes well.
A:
9,04,35
